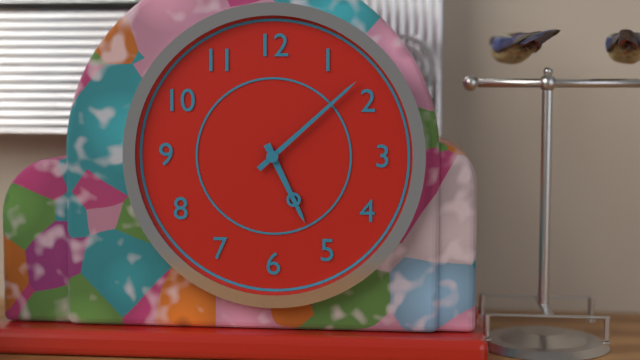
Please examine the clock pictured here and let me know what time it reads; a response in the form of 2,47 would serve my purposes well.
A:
5,08
